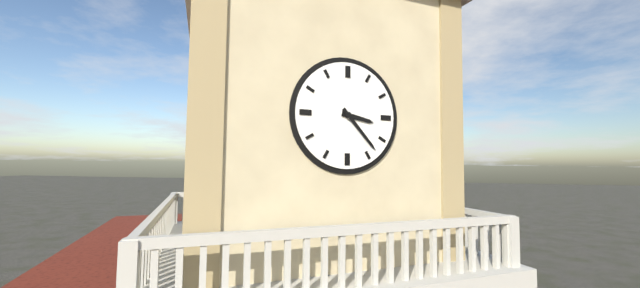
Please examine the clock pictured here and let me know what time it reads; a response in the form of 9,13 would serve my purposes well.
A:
3,23
